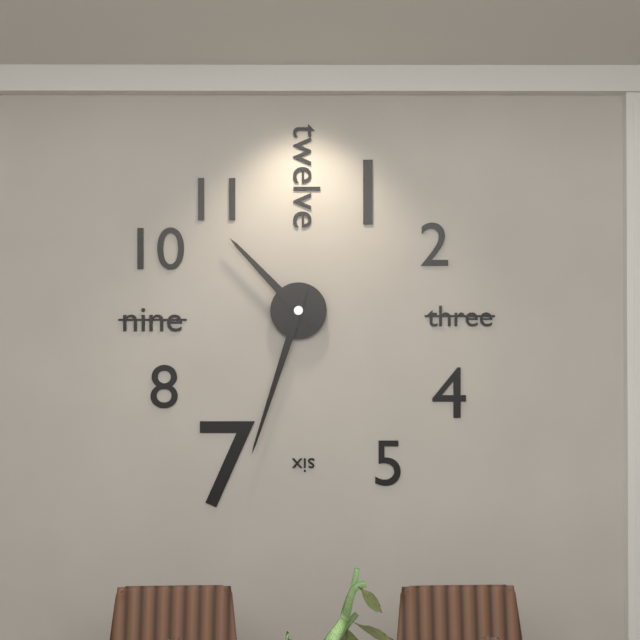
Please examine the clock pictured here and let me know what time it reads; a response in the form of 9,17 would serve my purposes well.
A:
10,33
